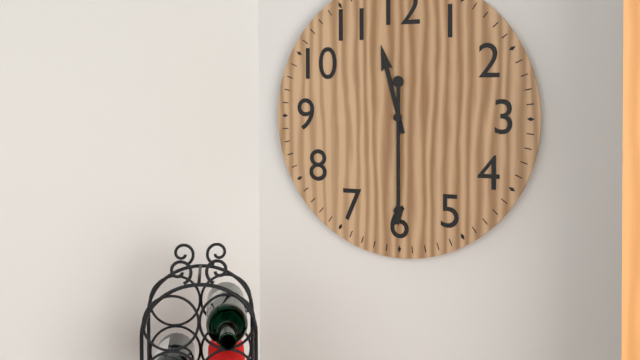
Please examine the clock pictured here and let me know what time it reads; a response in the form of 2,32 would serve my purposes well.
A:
11,30
